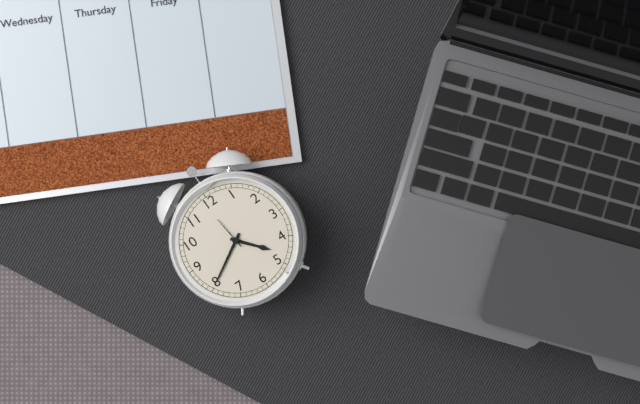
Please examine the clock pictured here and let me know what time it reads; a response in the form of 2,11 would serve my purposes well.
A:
4,40
